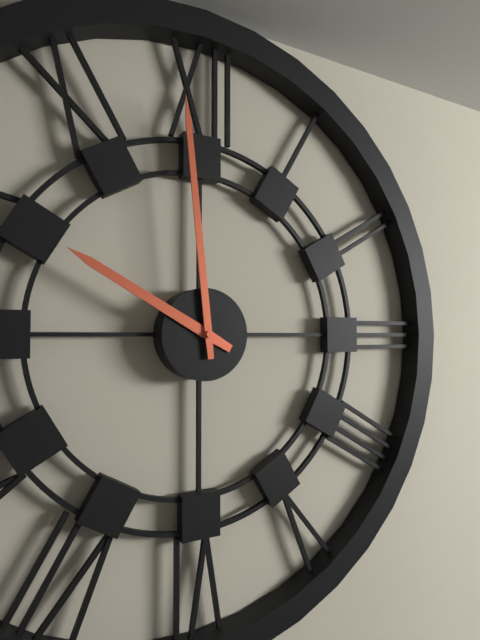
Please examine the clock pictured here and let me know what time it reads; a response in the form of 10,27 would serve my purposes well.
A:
9,59
